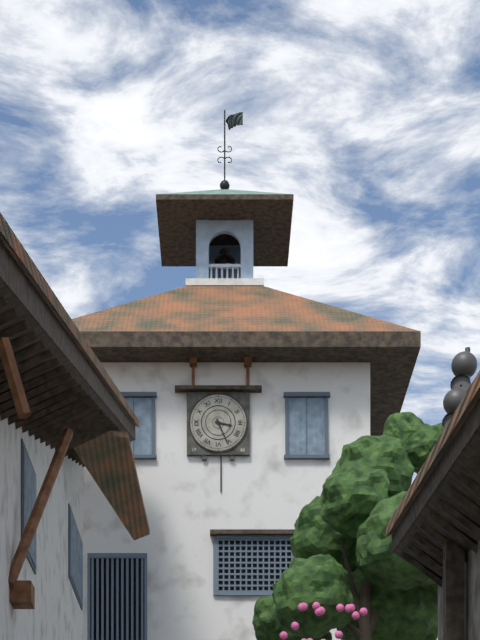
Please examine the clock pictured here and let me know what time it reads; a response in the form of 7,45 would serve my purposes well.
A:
3,26
